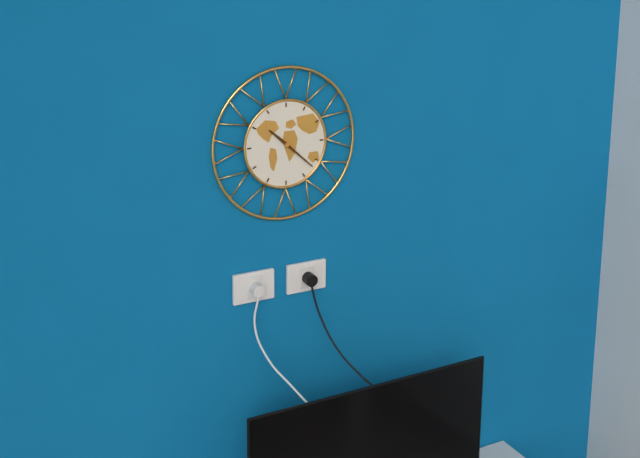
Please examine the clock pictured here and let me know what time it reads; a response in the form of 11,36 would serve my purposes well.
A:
10,22
